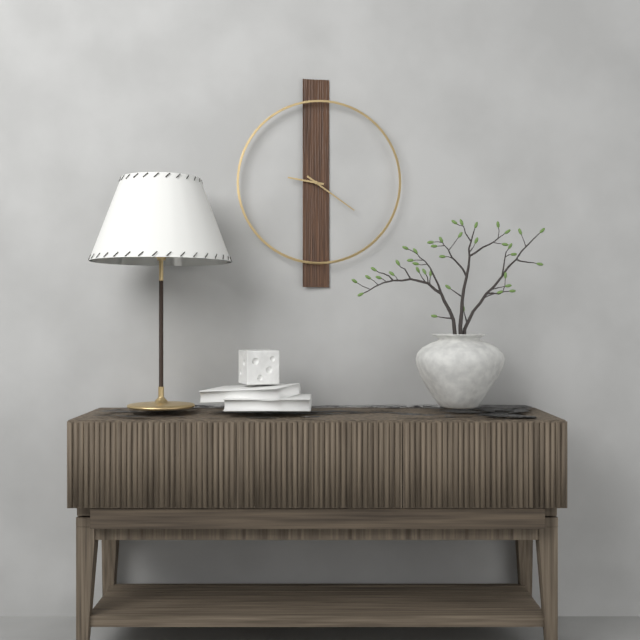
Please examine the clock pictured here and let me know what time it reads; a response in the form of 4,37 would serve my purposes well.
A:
9,21
